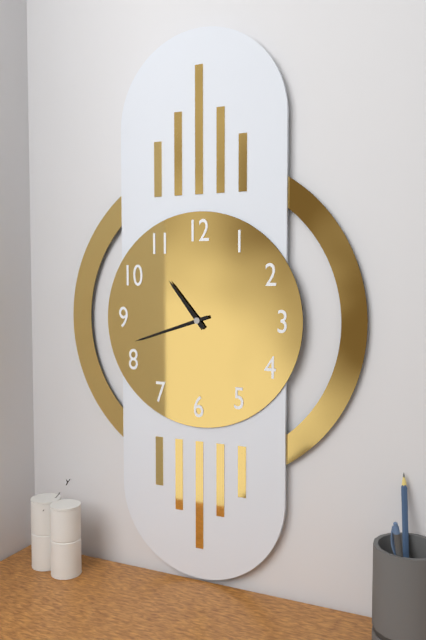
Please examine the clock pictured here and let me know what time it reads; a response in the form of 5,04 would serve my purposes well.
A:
10,42
